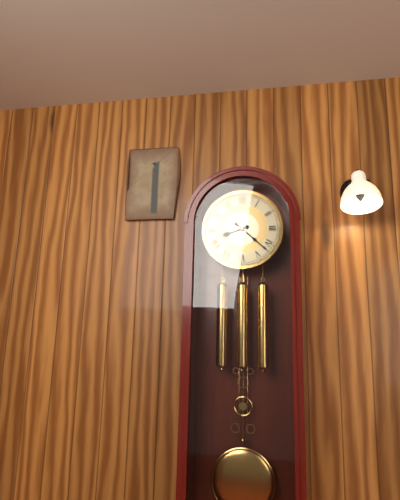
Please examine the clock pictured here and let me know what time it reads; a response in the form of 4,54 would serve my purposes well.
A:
8,22
